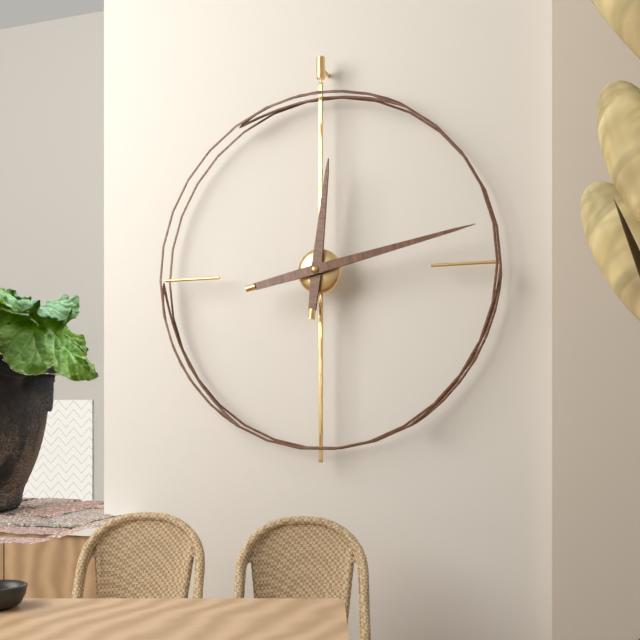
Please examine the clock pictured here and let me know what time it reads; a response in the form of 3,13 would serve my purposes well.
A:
12,13
